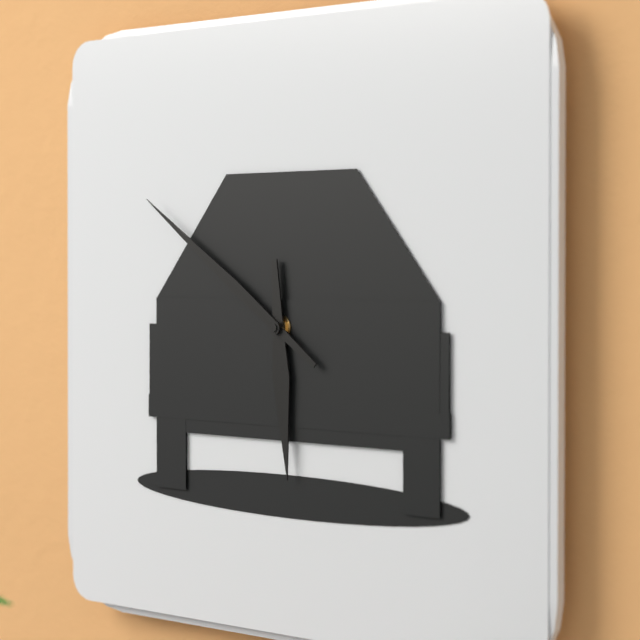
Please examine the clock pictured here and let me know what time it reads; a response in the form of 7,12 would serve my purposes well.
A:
5,51
